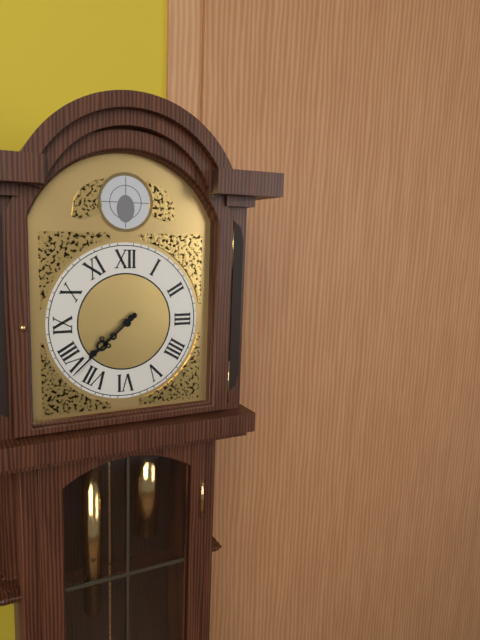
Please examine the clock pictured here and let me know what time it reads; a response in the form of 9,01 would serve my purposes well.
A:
7,38
